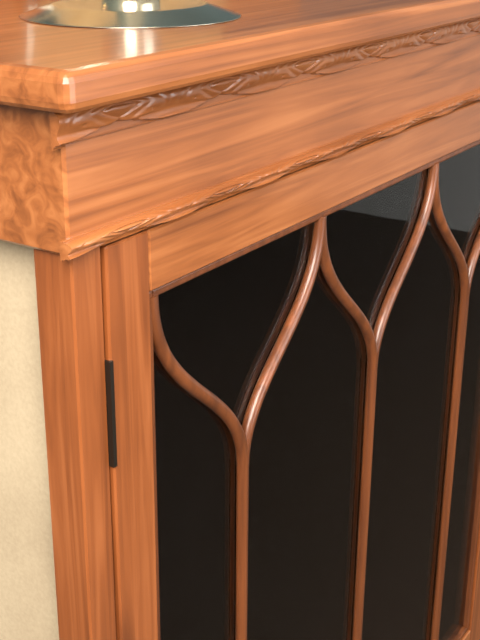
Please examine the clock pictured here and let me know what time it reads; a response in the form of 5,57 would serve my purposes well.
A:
12,27
